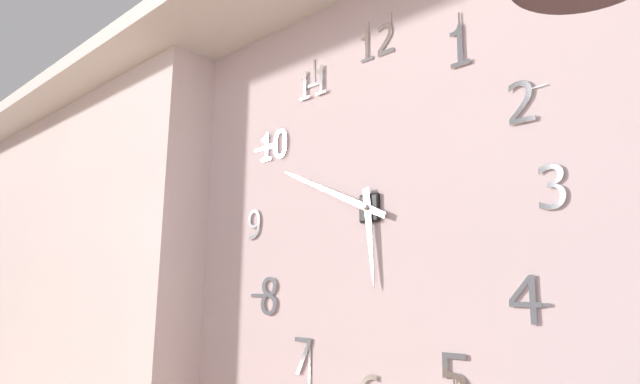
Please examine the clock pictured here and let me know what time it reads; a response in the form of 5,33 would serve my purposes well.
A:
5,49
